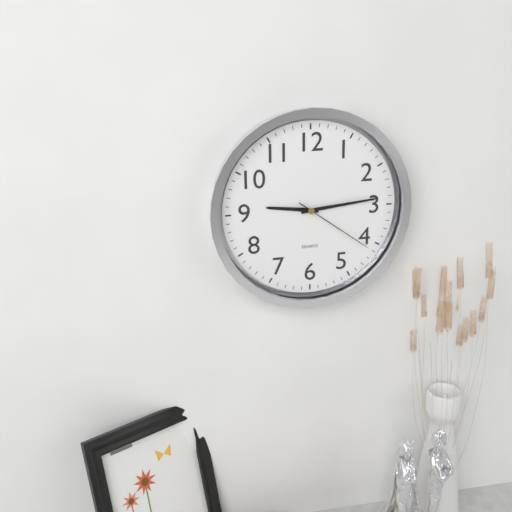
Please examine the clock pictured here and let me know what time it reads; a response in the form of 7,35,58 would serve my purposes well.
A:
9,14,21
